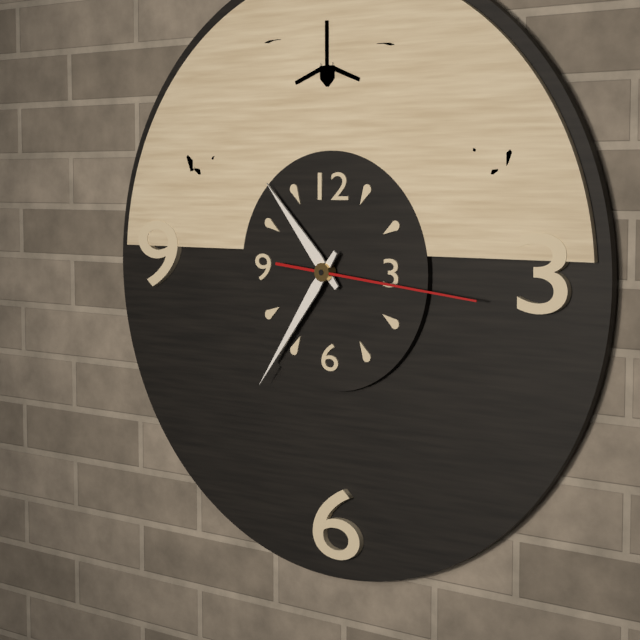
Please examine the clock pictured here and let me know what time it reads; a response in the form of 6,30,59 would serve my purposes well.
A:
10,36,16
